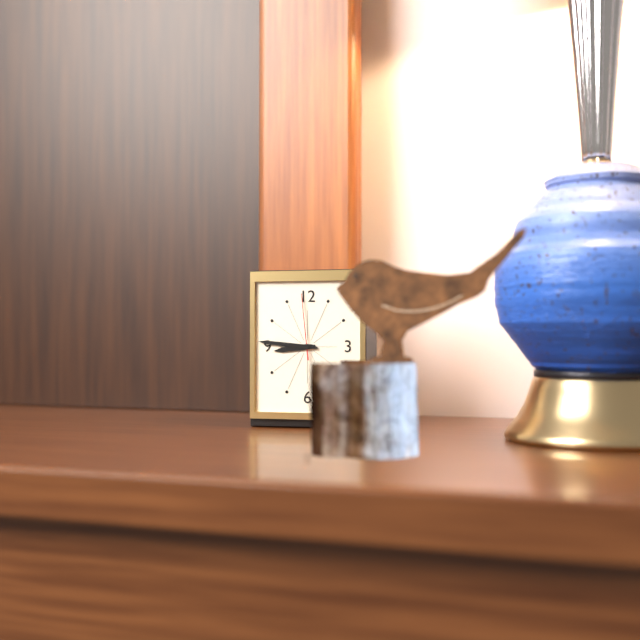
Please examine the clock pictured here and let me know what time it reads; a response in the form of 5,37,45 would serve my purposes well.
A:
8,46,59
